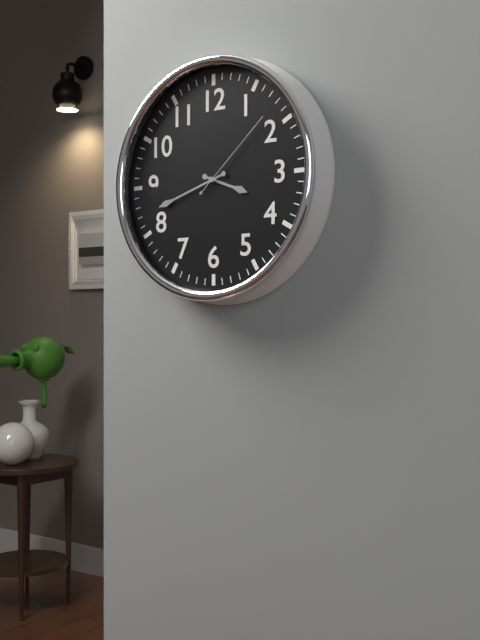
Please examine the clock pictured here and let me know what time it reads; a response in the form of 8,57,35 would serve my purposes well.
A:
3,42,08
